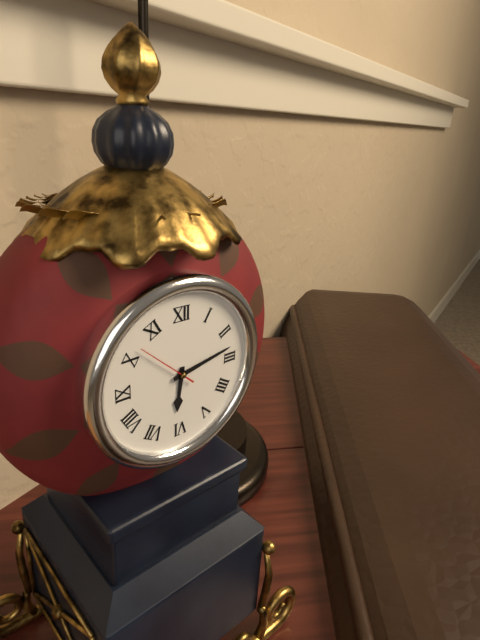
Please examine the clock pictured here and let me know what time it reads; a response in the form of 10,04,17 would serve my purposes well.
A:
6,13,52
